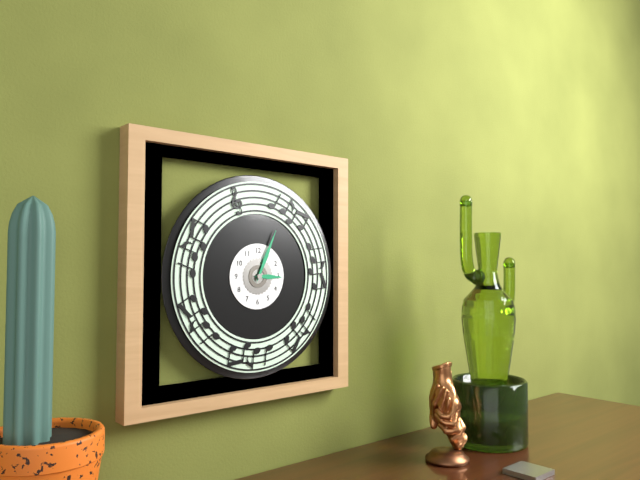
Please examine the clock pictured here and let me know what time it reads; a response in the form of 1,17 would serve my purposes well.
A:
3,04
